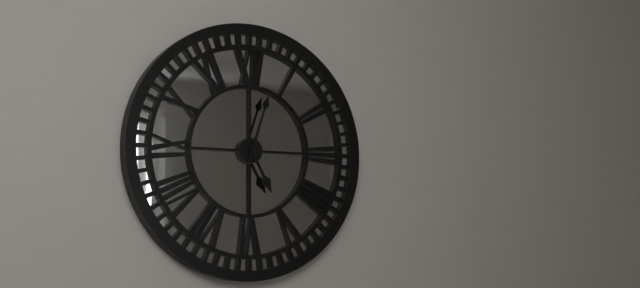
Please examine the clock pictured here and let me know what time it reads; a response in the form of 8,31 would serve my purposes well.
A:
5,03
